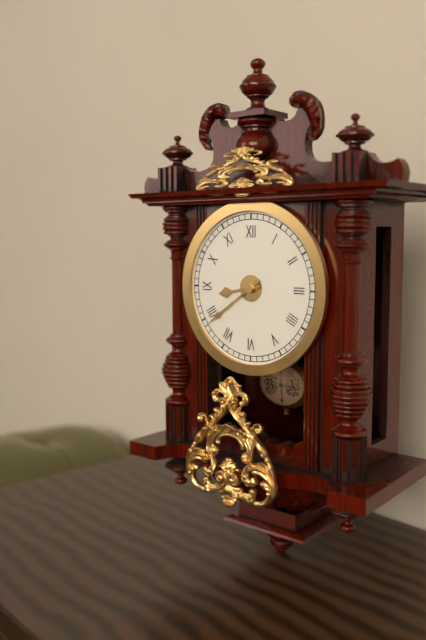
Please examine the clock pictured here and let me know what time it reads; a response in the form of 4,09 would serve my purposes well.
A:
8,39
